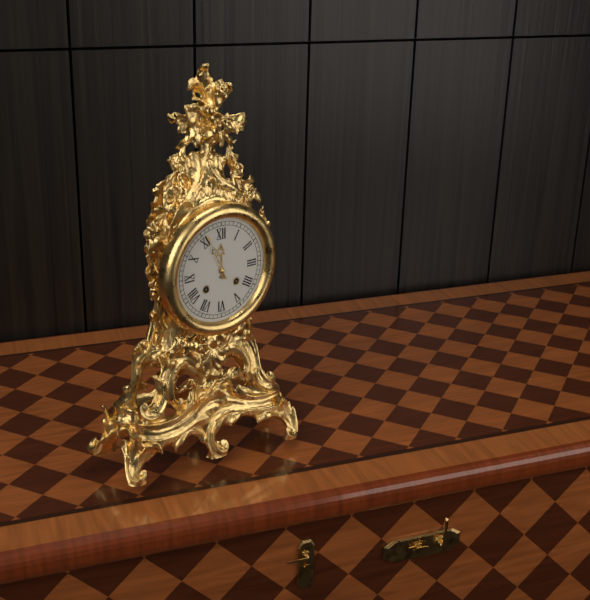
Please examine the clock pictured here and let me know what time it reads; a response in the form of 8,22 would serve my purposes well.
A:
11,56
